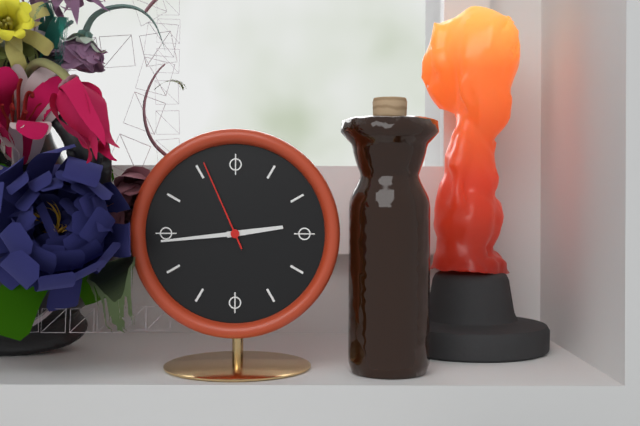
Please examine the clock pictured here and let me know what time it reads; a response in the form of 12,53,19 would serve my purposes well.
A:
2,44,56
